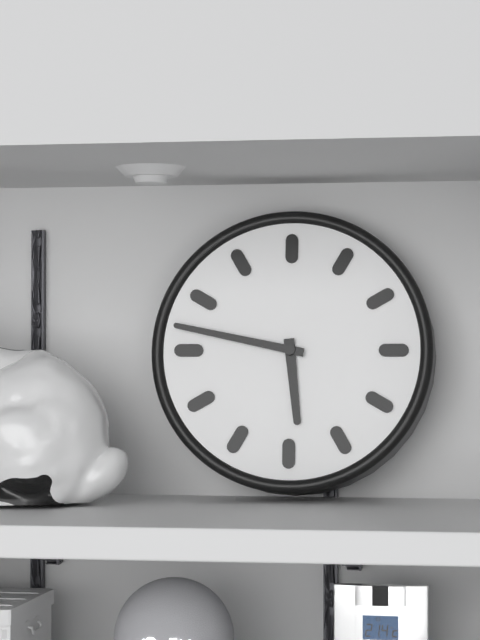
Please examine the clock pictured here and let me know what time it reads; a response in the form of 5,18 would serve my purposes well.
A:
5,47
